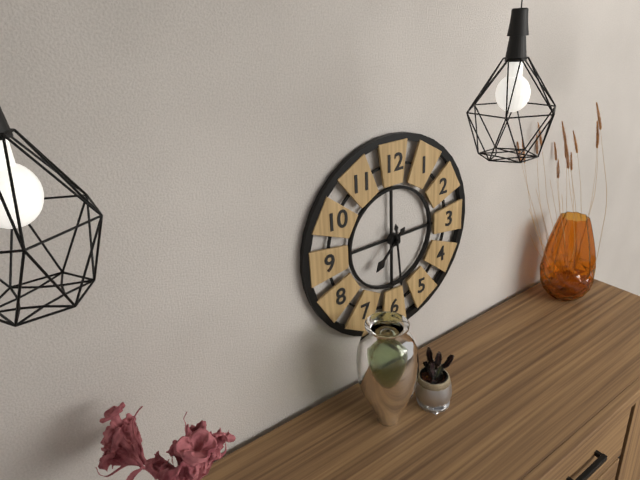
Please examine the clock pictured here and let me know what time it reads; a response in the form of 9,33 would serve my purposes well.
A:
7,29
